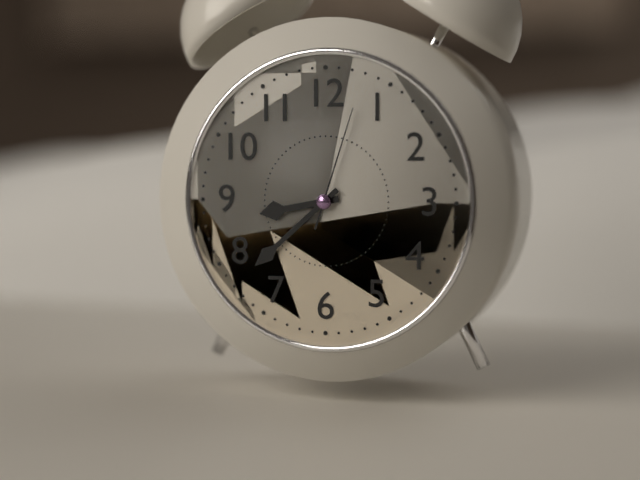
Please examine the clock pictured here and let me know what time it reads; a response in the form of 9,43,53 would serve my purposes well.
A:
8,38,03
